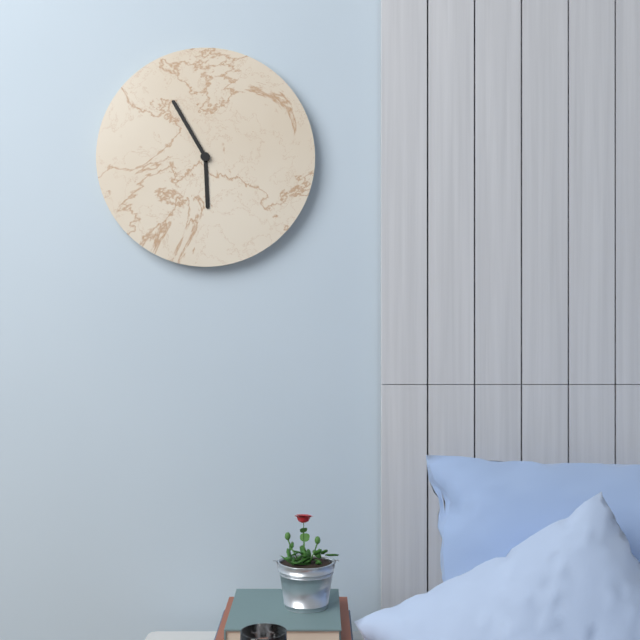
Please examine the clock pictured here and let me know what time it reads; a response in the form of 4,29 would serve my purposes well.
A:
5,55
